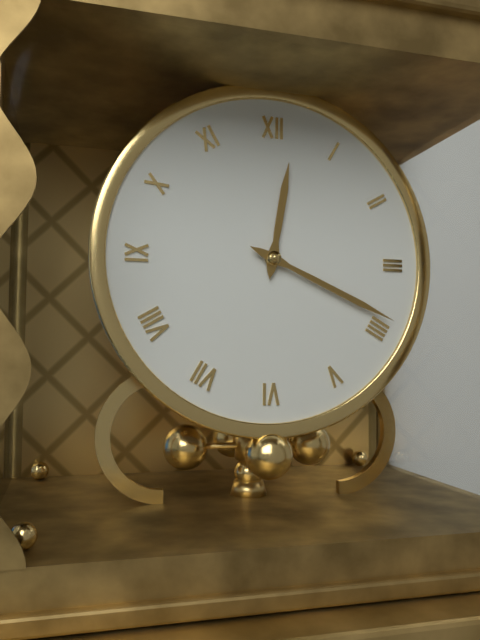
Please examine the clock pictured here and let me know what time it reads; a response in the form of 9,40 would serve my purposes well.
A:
12,19
